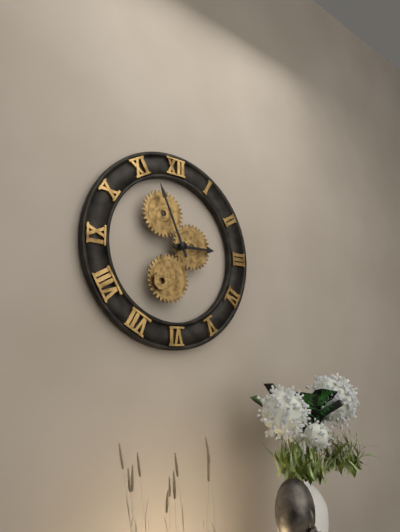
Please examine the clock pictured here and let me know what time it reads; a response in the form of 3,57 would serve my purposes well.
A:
2,56
